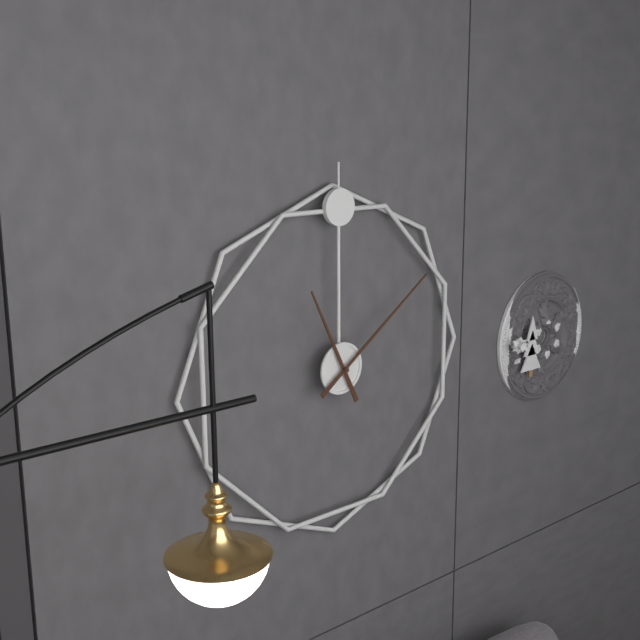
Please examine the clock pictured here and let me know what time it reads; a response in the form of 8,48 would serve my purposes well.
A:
11,09
